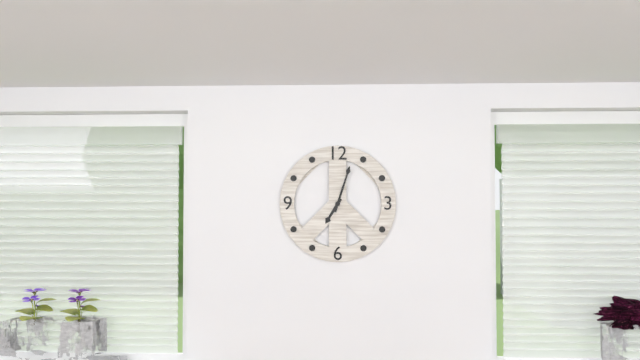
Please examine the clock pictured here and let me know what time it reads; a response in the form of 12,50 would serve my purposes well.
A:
7,03
